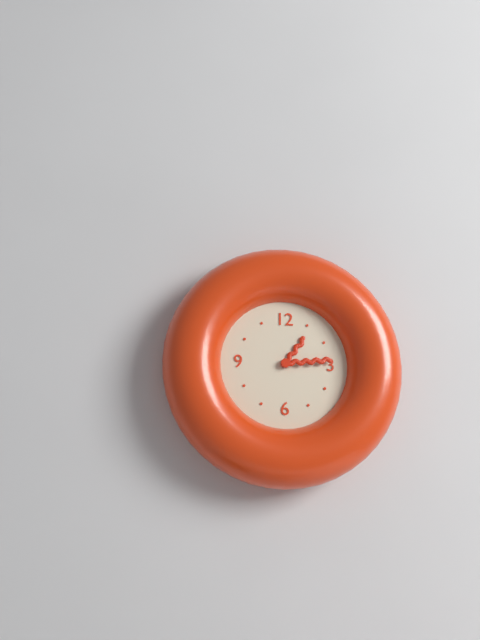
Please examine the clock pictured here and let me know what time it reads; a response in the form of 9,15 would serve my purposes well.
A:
1,14
